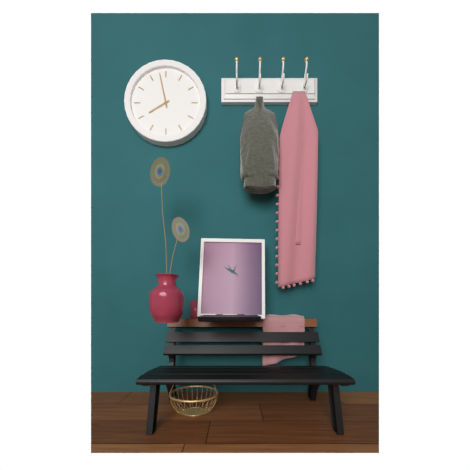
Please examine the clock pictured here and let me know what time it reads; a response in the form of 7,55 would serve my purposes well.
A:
7,58
